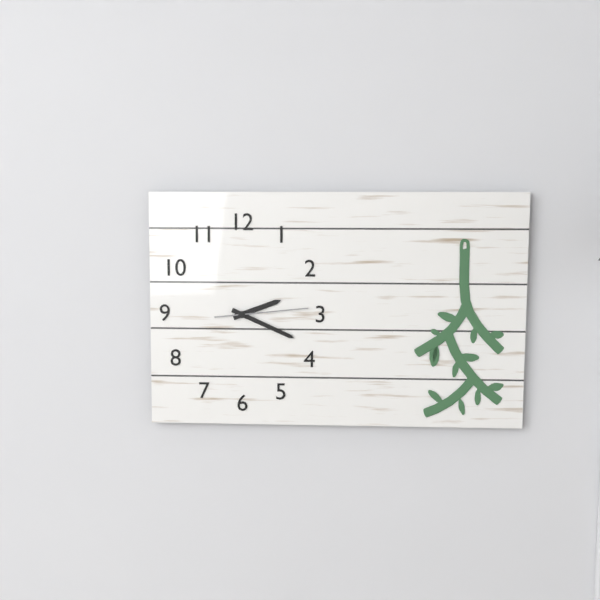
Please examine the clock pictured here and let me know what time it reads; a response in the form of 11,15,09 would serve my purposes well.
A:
2,19,14
